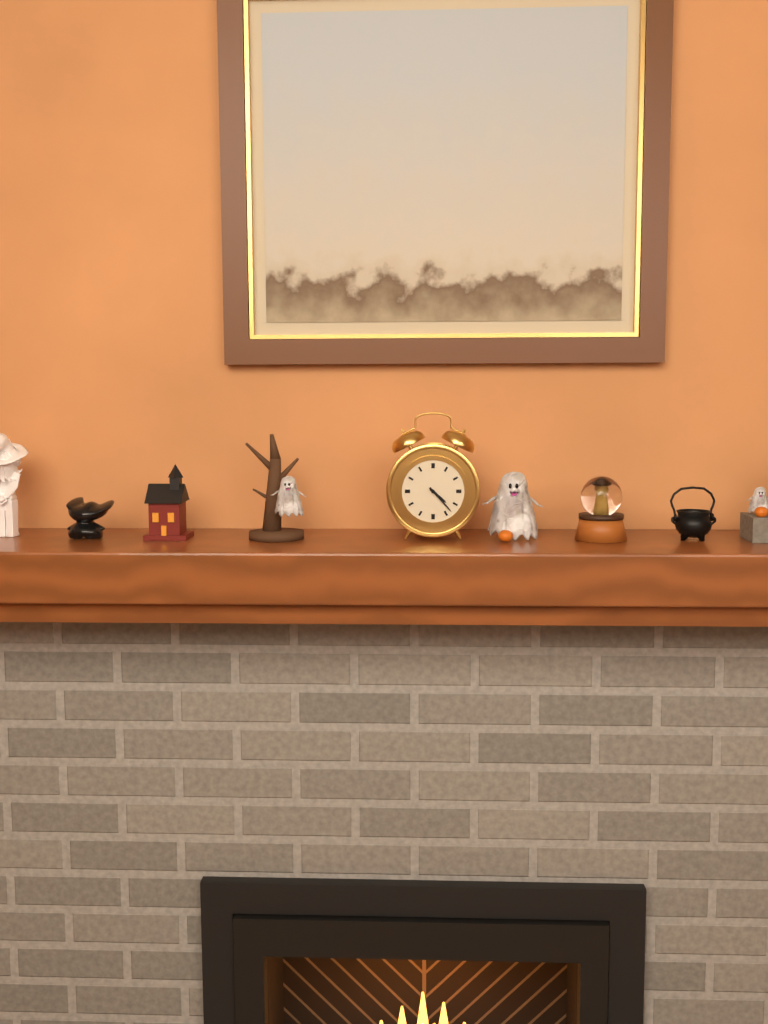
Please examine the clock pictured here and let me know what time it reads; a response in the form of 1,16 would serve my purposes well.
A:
4,23
